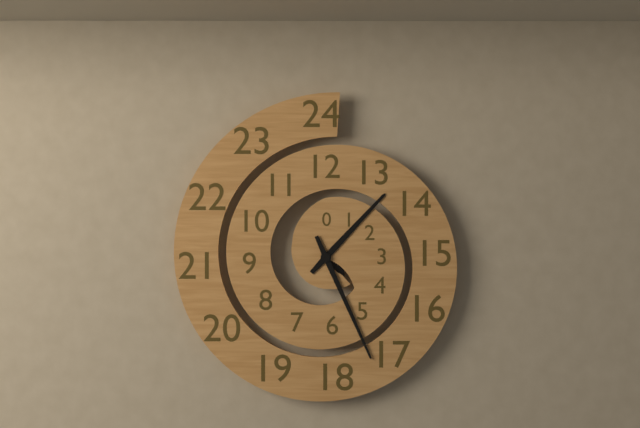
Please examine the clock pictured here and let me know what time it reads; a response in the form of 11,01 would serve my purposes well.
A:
1,26
